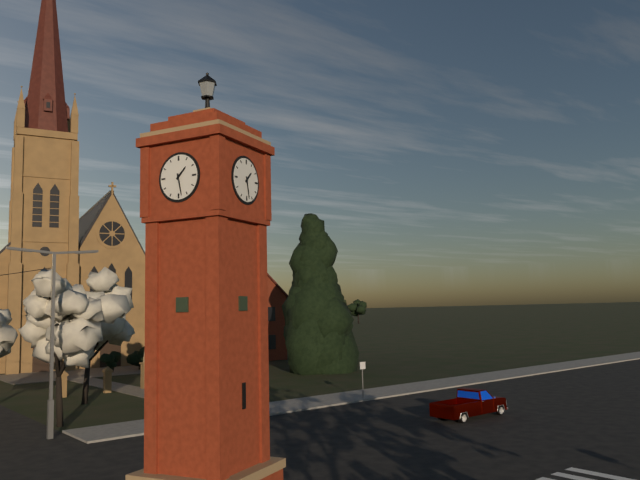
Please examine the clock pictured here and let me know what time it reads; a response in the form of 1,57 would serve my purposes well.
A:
1,28
